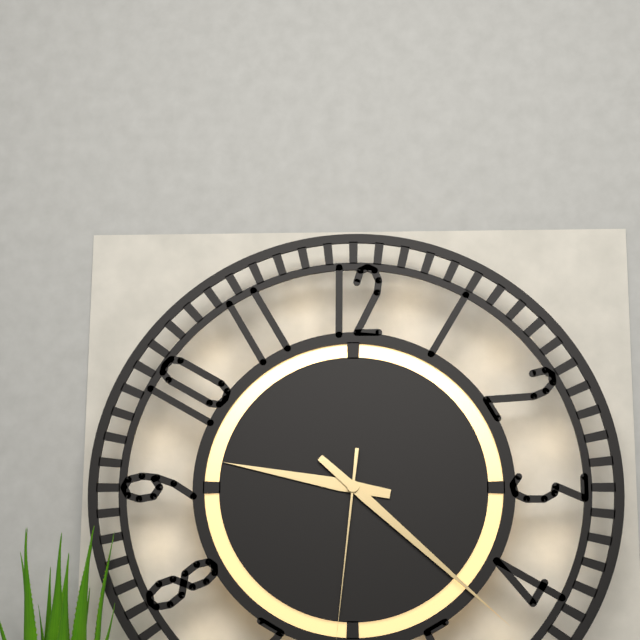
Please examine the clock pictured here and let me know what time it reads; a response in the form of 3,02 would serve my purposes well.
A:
9,22
